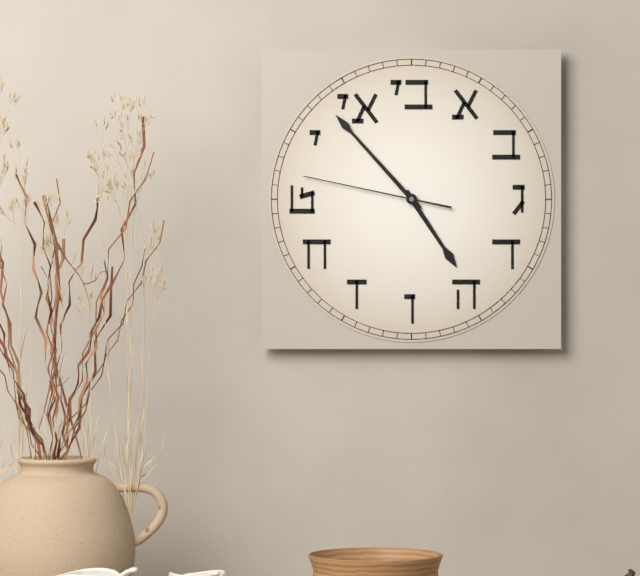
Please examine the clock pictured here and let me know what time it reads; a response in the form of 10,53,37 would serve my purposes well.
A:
4,53,47
